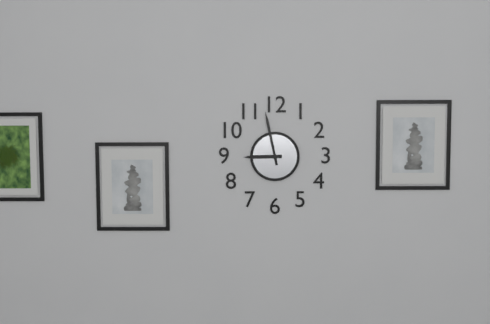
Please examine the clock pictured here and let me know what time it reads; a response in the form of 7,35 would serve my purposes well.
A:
8,58
